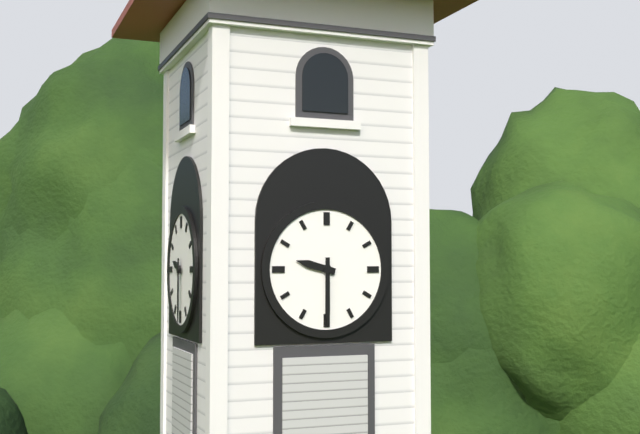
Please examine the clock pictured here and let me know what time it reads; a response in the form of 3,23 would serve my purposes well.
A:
9,30
